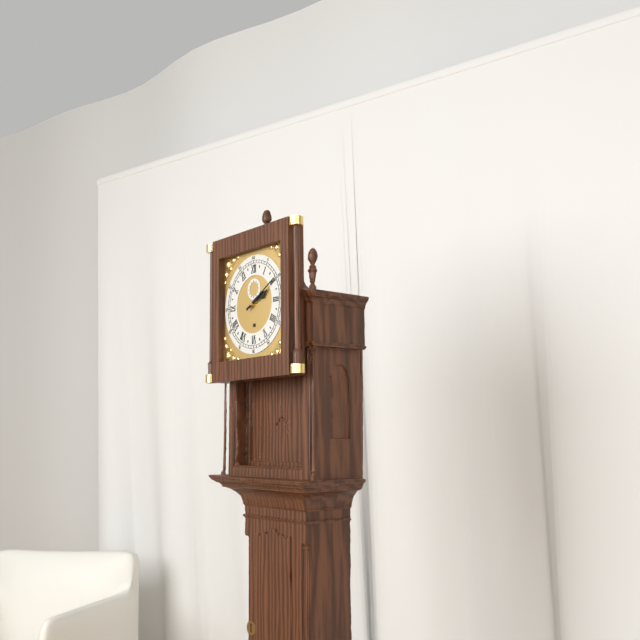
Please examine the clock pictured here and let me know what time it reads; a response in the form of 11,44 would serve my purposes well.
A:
2,10
